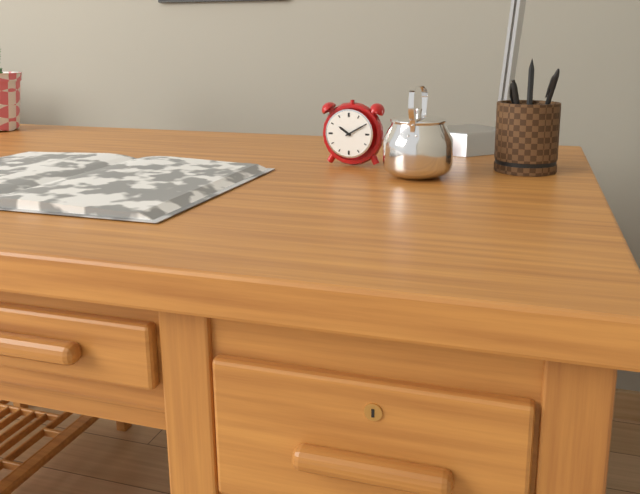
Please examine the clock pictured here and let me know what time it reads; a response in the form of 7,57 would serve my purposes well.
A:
10,10
